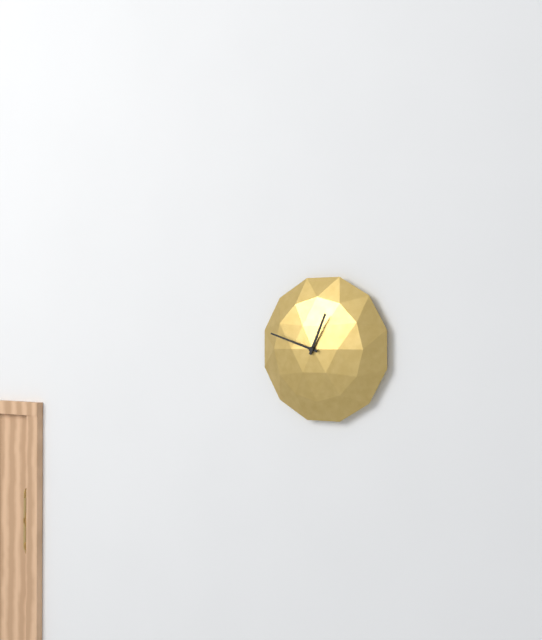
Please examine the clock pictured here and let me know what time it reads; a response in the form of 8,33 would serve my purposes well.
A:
12,48
